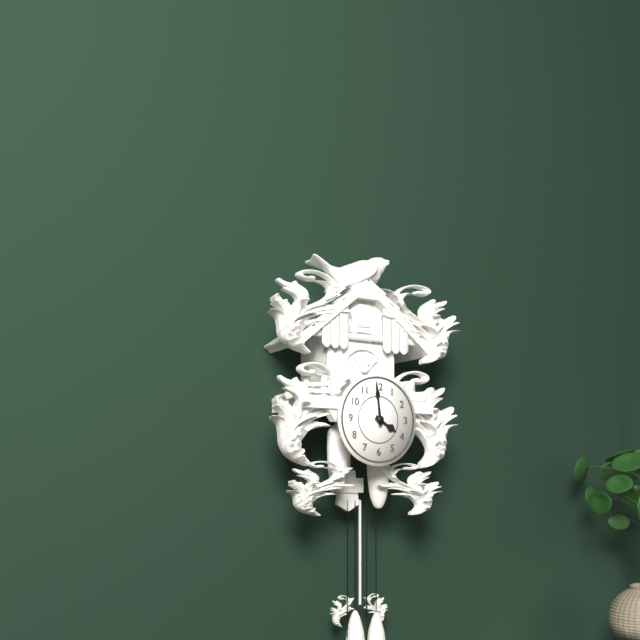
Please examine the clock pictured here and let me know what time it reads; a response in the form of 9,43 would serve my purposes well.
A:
3,59
